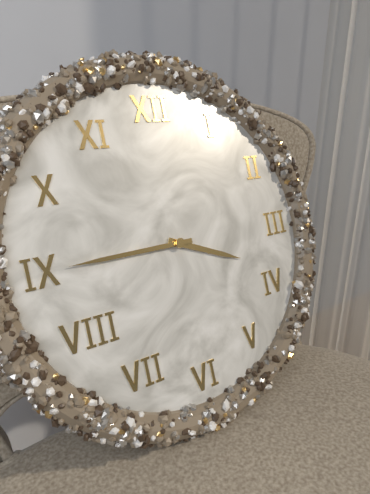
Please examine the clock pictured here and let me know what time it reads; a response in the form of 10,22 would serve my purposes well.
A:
3,45
